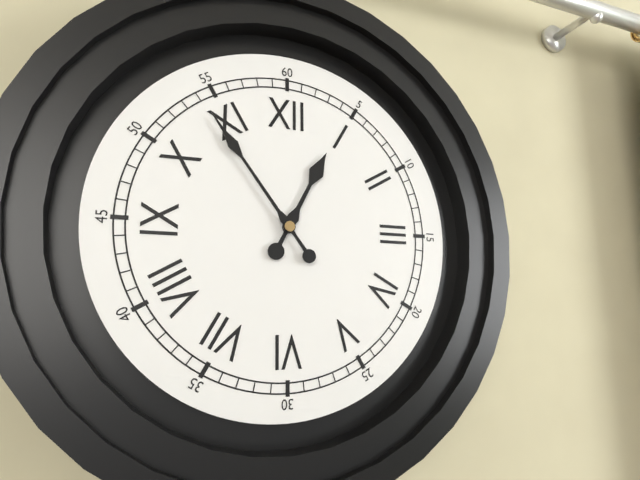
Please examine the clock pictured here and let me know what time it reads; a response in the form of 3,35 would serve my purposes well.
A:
12,54
